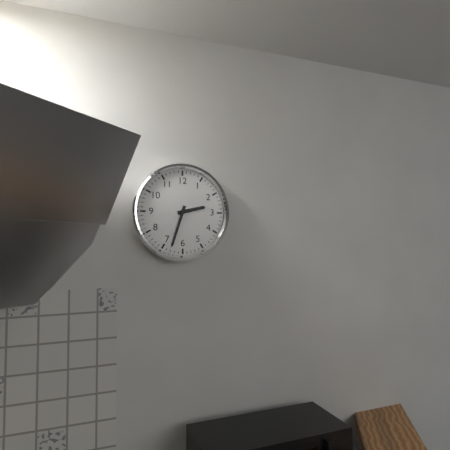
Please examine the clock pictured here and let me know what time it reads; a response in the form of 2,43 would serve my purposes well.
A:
2,33
